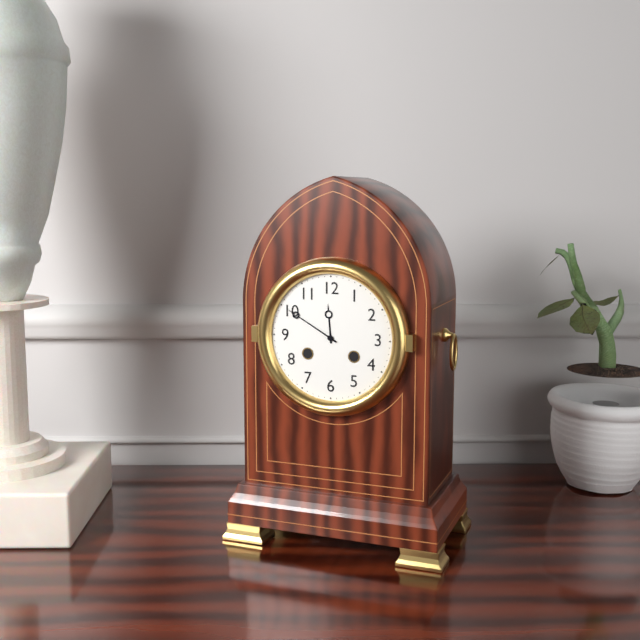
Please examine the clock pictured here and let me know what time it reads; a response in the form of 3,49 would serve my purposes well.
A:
11,50
